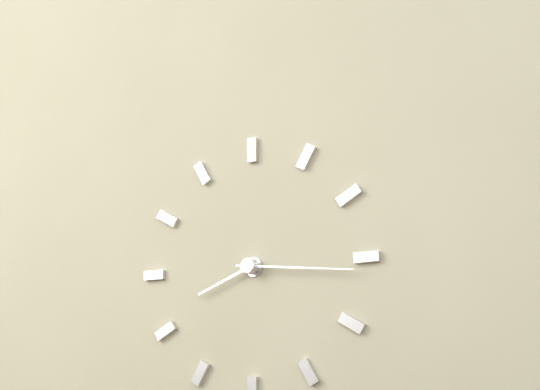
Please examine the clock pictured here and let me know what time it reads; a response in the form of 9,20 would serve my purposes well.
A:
8,16
